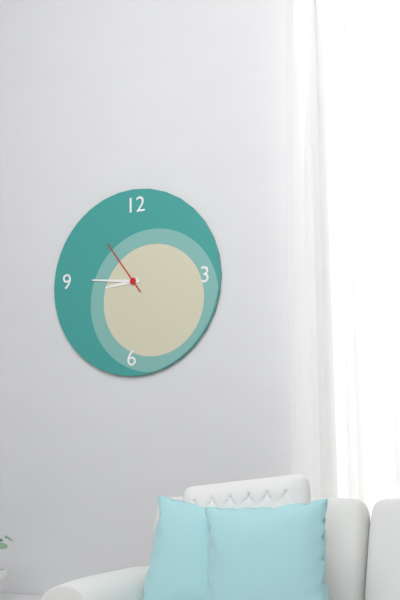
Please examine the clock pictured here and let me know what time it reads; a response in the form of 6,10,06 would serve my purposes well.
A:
8,46,54
